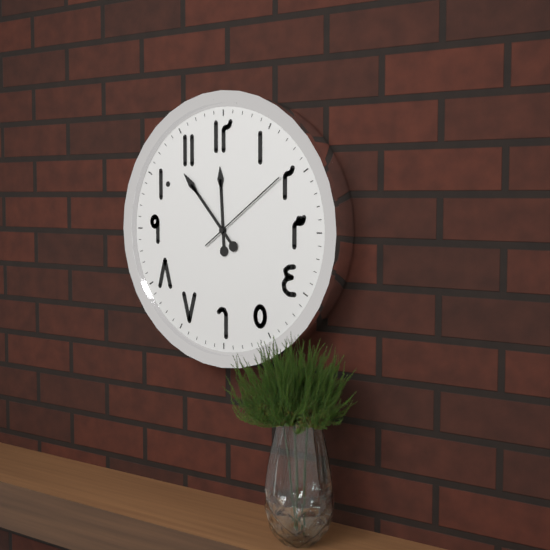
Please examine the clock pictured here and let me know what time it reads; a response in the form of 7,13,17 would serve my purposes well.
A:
11,53,09
